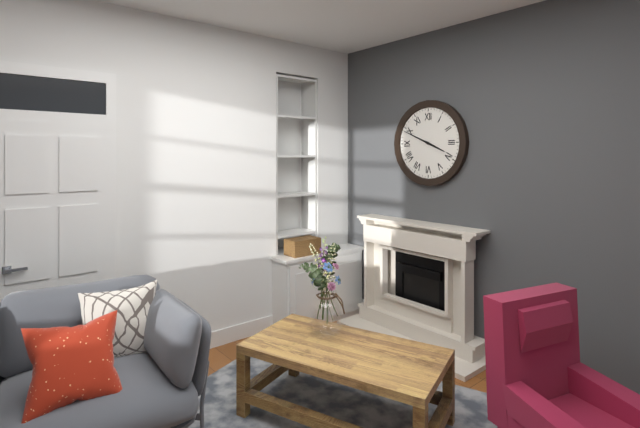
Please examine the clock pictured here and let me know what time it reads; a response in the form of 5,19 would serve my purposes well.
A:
3,49
